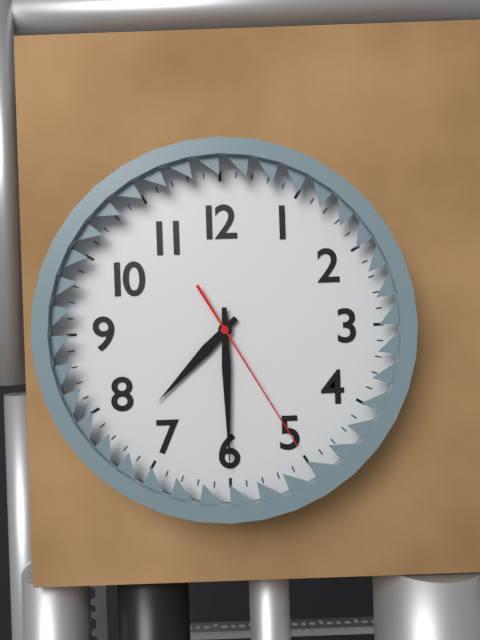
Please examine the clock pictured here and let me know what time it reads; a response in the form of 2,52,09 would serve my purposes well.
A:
7,30,25
